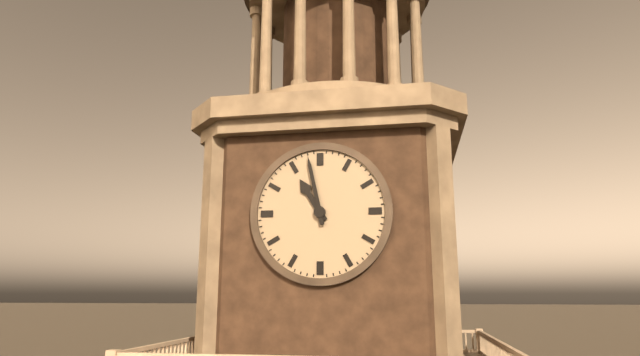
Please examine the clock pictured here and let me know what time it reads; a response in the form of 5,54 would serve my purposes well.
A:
10,58
